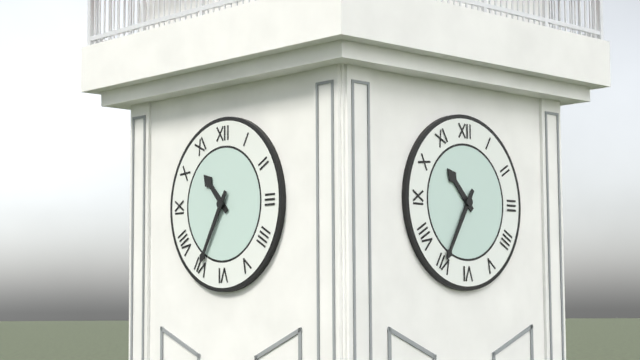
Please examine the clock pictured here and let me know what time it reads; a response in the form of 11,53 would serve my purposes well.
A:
10,35
